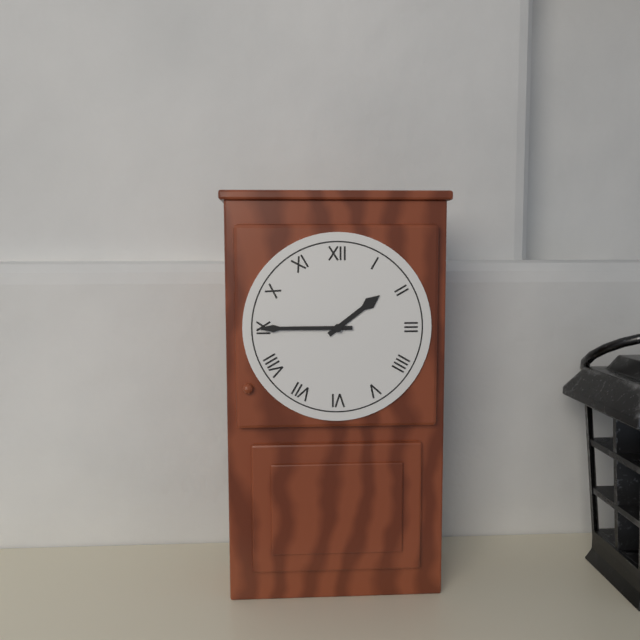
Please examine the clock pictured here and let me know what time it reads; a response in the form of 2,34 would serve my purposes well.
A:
1,45
